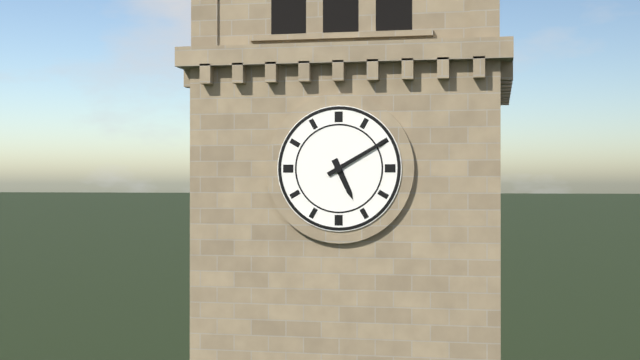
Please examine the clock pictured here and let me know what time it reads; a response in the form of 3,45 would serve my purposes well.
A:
5,10
